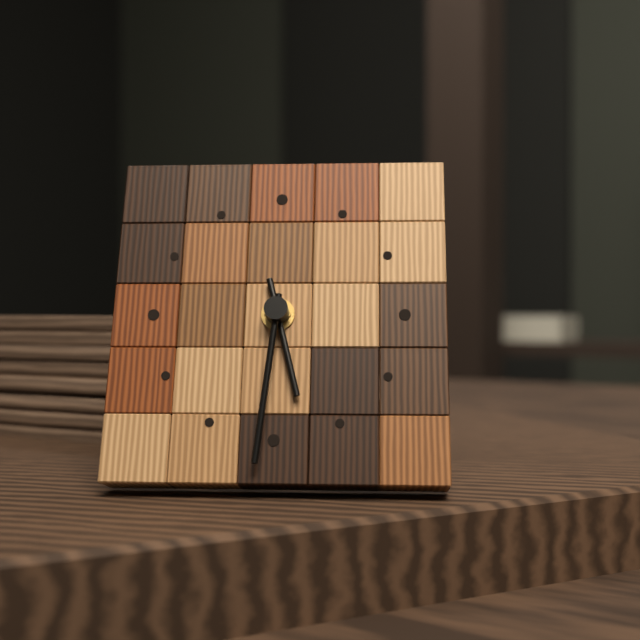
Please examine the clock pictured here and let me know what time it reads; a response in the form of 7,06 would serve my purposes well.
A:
5,31
